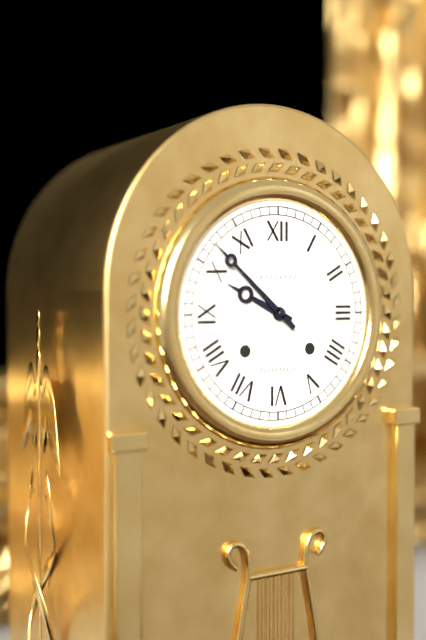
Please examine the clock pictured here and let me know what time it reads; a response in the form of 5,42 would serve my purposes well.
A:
9,52
